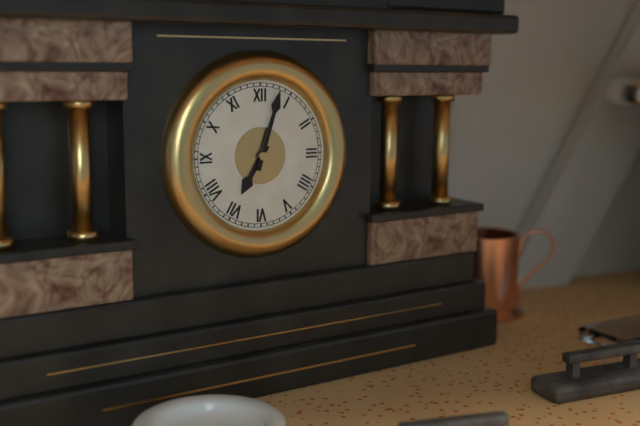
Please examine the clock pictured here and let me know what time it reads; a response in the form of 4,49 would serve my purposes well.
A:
7,03
